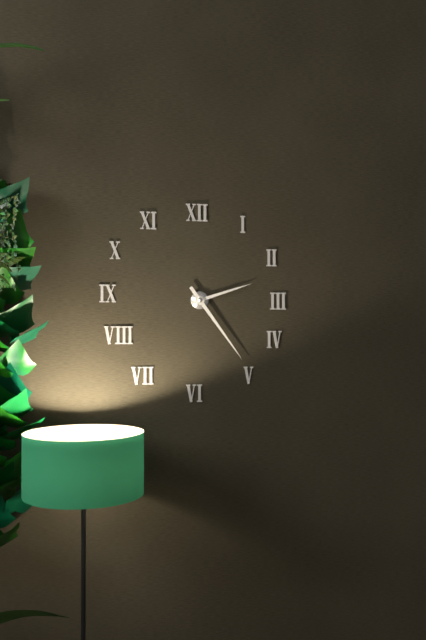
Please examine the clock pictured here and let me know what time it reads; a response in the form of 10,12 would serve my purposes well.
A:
2,24
